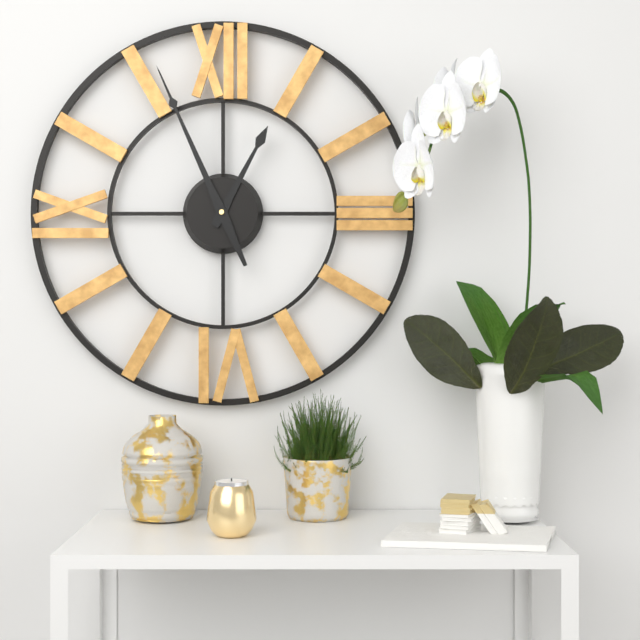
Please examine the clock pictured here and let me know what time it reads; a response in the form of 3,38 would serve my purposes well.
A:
12,56
